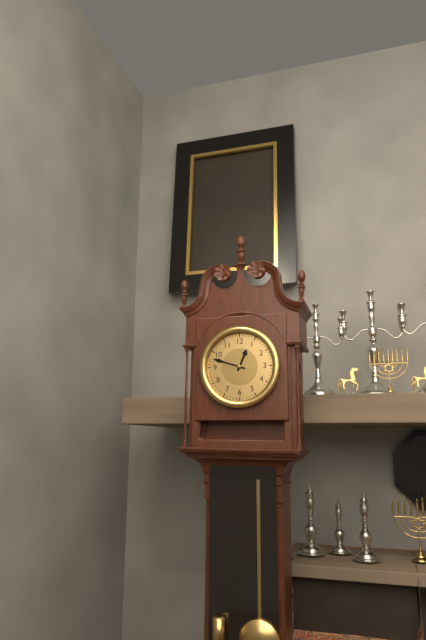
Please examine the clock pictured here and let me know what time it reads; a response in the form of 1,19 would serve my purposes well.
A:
12,48
